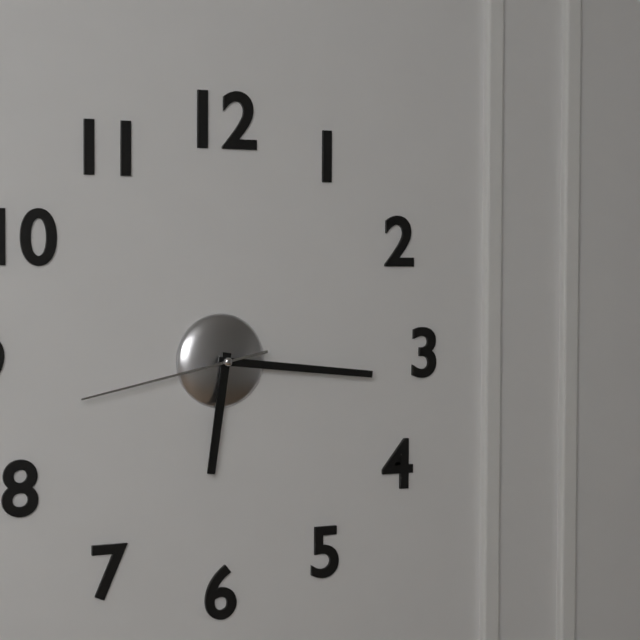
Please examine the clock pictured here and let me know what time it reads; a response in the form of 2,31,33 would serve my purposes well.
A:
6,16,43
